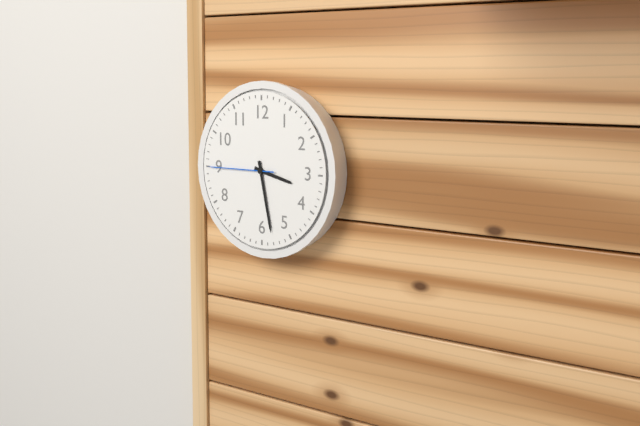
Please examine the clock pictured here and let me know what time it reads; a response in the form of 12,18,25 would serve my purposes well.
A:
3,28,45
